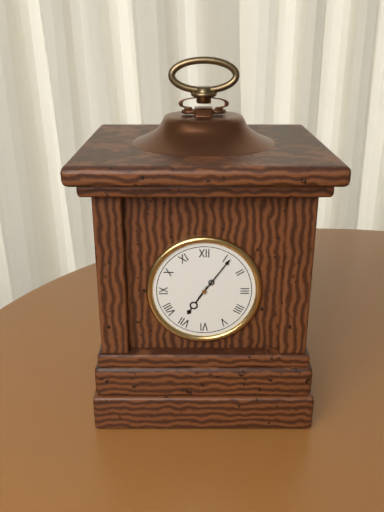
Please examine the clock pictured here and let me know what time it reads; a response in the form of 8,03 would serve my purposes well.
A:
7,06
